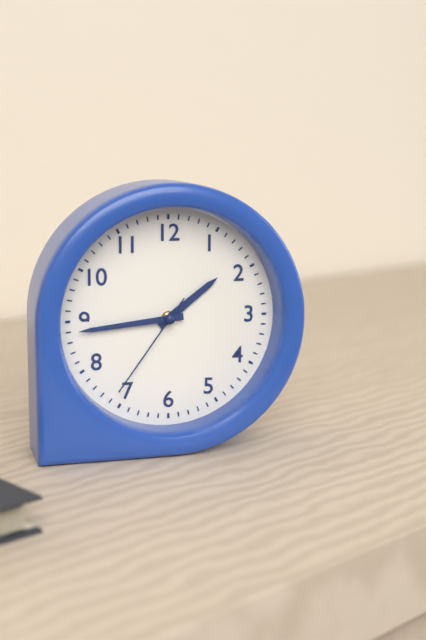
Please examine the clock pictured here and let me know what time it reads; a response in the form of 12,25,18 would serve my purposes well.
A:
1,44,36
